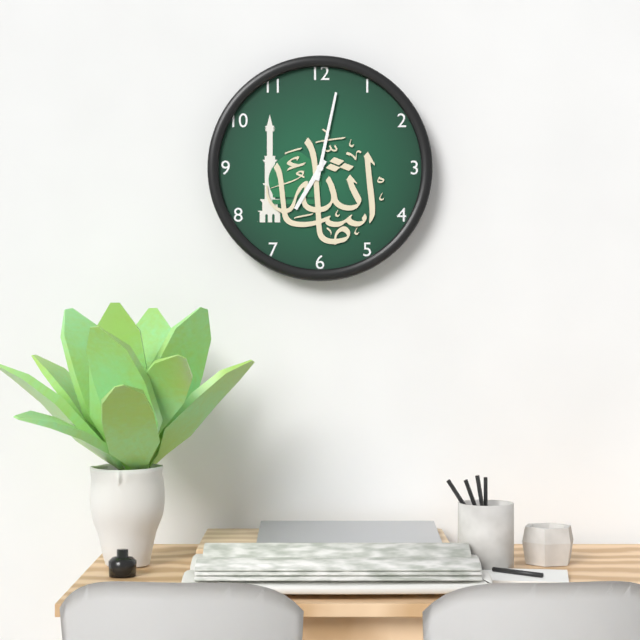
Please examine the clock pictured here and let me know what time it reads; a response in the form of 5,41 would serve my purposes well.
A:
7,02
